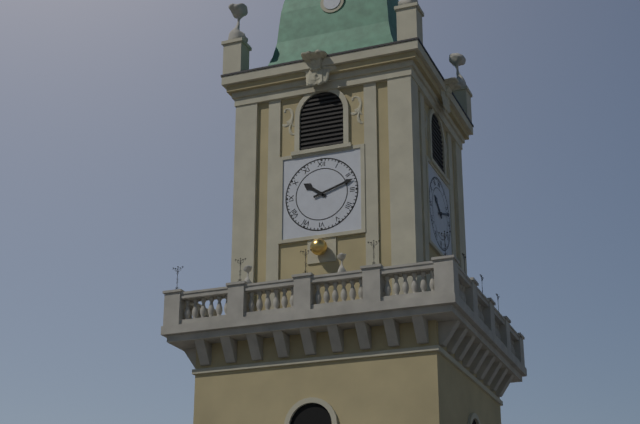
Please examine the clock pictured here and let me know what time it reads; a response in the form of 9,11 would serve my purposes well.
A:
10,12
